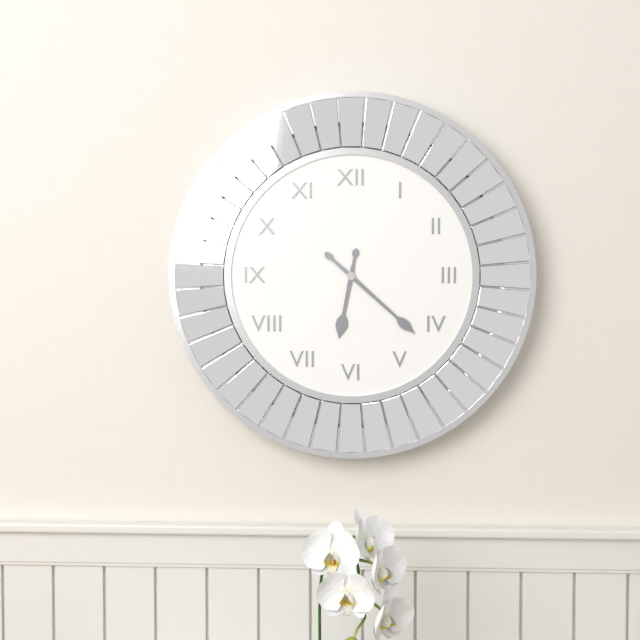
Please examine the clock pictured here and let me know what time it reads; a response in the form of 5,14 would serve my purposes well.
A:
6,22
